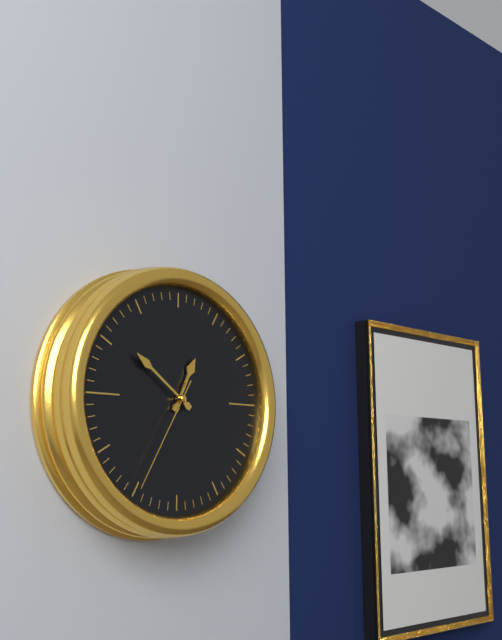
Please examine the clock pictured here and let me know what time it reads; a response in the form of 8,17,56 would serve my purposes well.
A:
12,51,35
